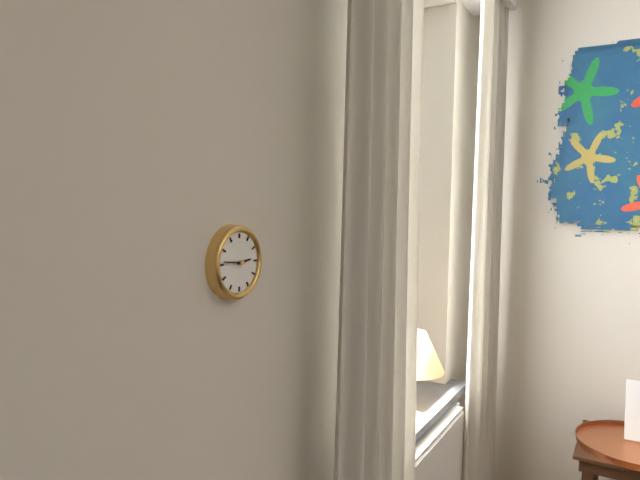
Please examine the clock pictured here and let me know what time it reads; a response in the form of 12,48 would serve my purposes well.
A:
2,46
